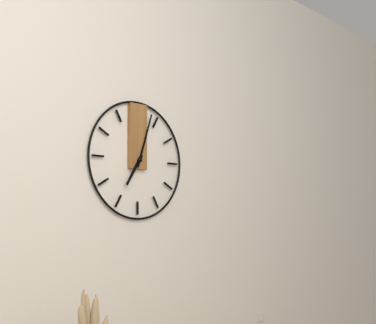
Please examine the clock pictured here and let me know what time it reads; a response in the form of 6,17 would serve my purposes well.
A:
7,03
